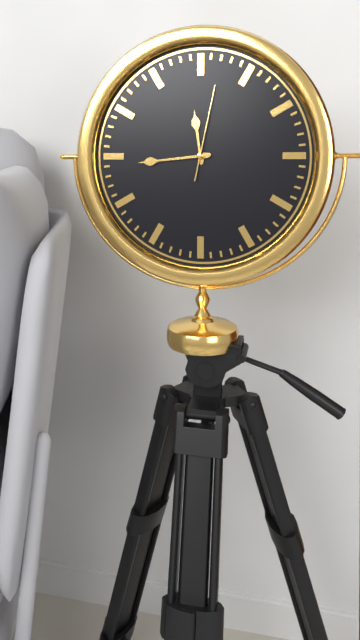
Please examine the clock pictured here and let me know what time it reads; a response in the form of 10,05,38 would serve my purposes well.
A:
11,44,02
